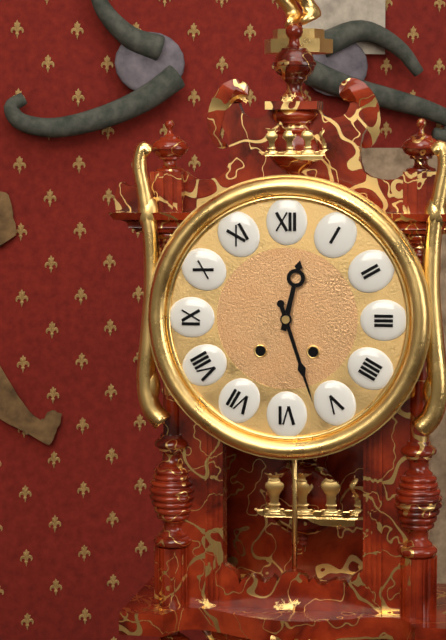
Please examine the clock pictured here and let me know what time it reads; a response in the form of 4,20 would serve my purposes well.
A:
12,27
